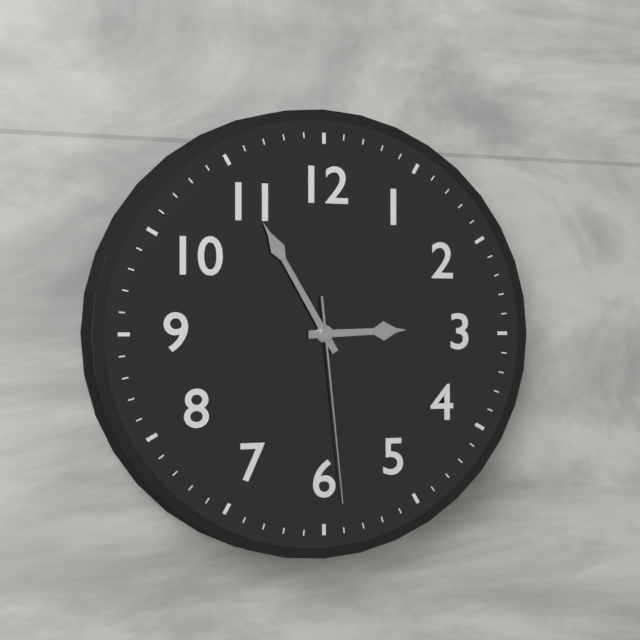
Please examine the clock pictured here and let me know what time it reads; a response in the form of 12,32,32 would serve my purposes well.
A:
2,55,29
